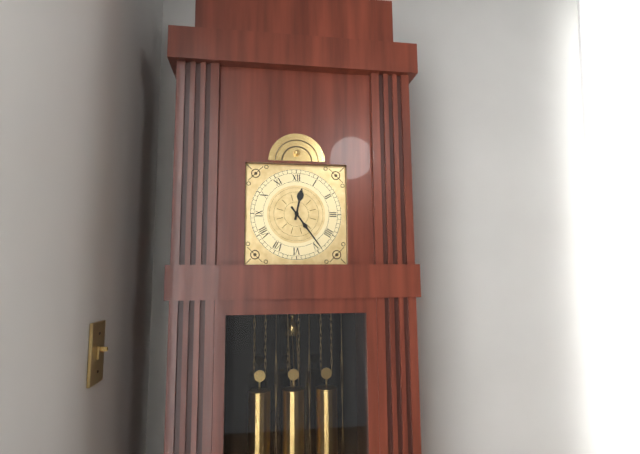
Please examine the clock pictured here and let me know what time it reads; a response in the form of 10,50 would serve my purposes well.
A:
12,24
